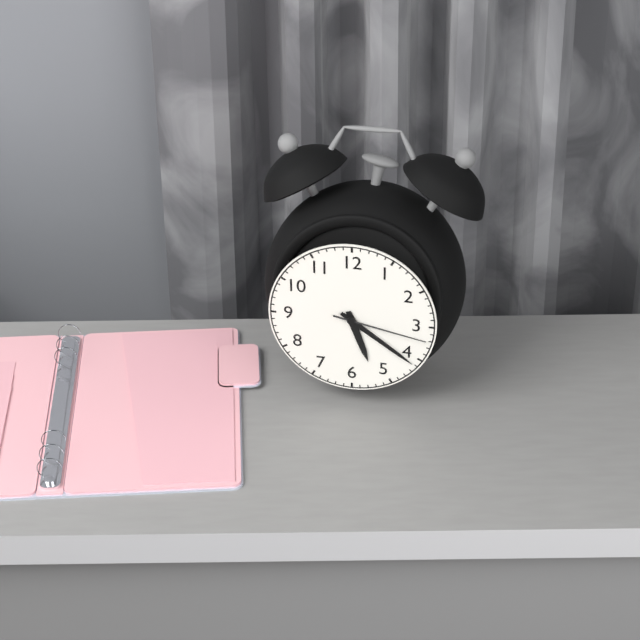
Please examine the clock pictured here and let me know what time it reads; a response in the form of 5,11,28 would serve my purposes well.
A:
5,21,17
